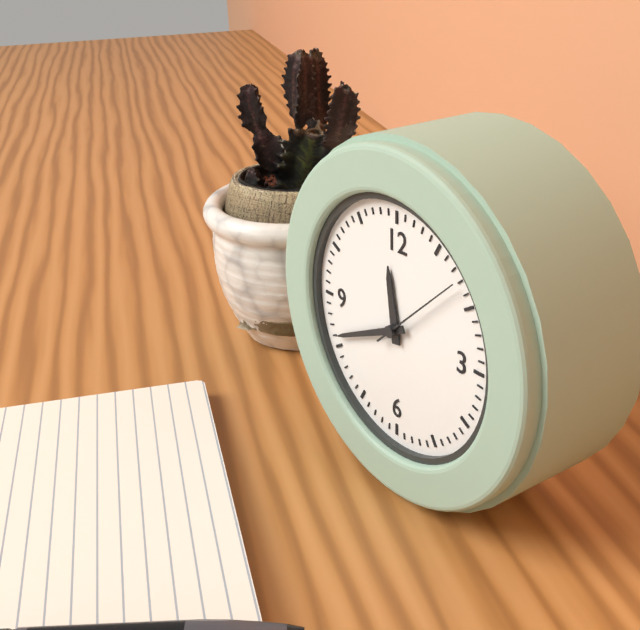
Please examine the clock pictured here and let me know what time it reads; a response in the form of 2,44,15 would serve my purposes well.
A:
11,41,08
